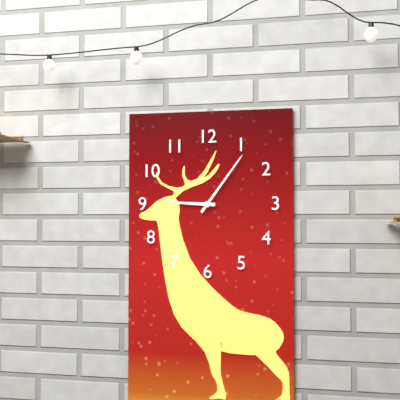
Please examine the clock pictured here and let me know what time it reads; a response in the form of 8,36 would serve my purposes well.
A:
9,06
